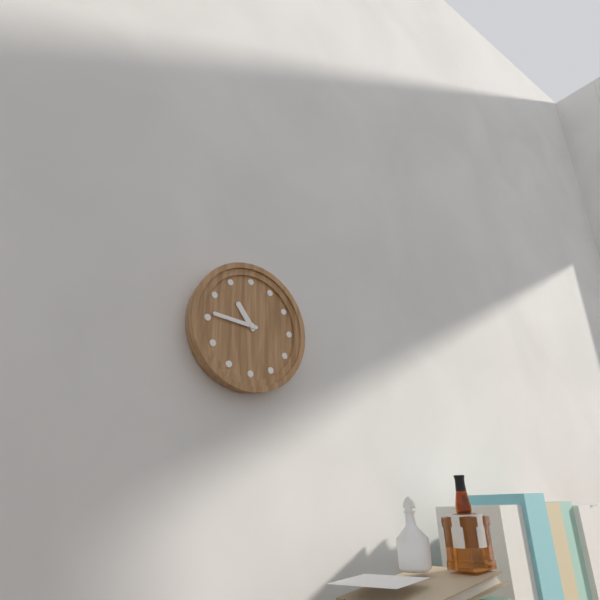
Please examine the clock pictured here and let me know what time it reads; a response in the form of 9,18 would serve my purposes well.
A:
10,46
